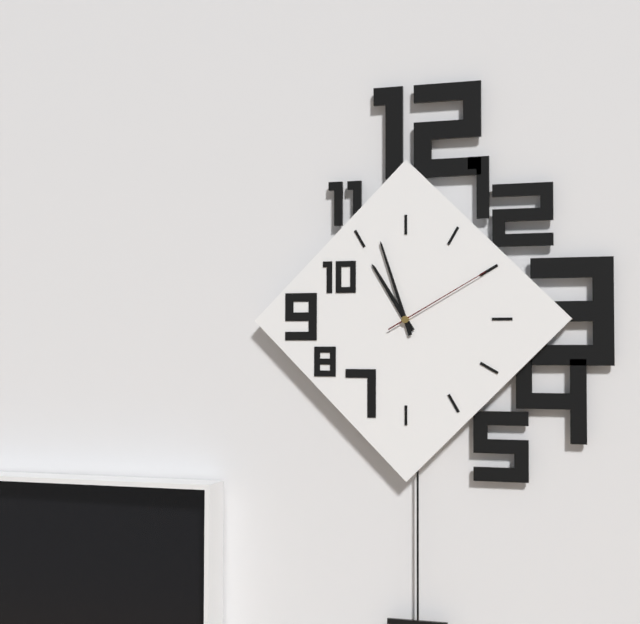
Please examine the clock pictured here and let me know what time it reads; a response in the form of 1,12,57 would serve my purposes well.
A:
10,57,10
